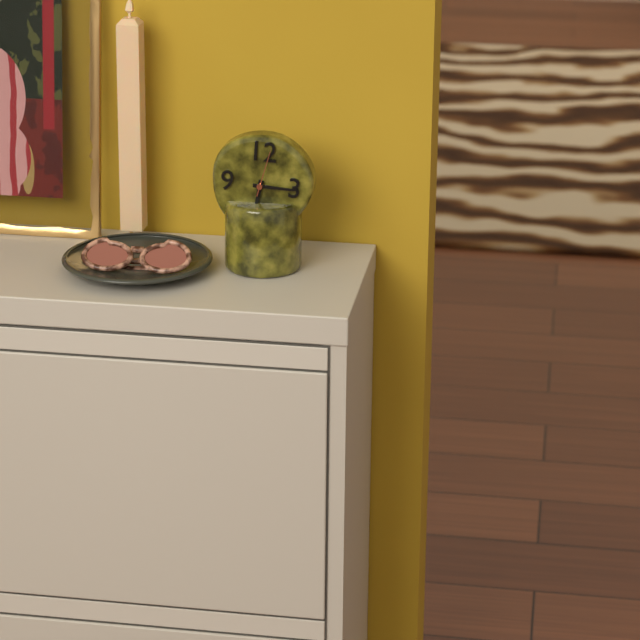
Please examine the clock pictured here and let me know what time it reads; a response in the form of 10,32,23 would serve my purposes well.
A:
6,15,02
